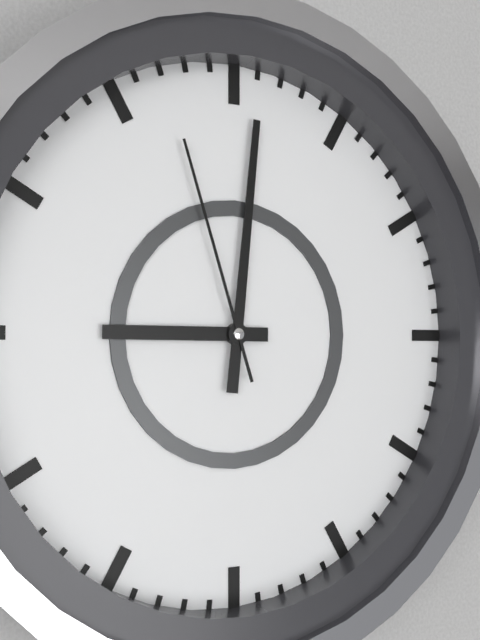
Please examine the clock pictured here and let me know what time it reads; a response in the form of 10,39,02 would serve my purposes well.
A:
9,01,57
